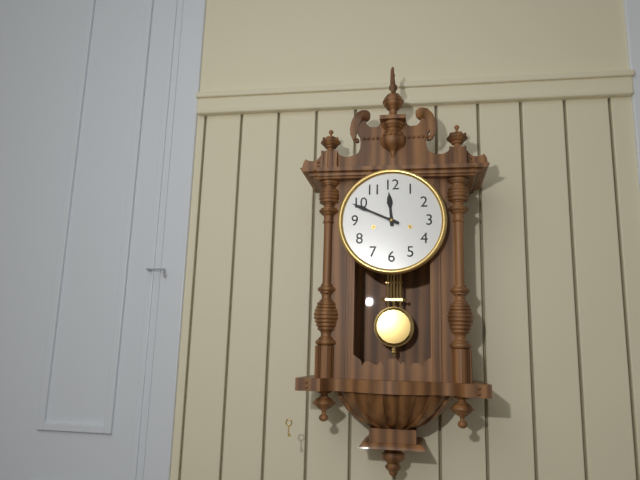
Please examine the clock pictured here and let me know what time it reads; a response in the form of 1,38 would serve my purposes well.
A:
11,49
